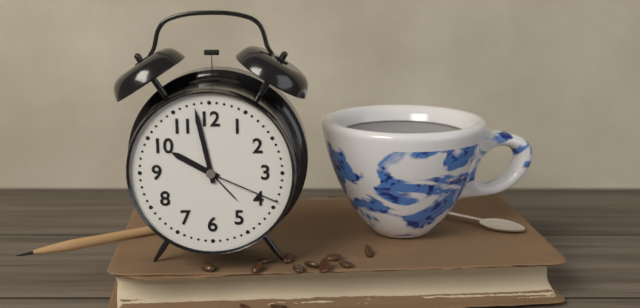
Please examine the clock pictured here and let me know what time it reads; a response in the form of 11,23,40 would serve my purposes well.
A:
9,58,19
